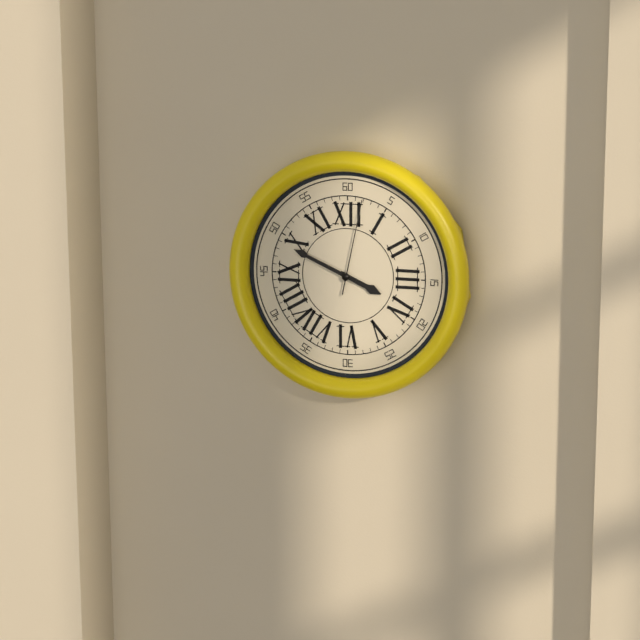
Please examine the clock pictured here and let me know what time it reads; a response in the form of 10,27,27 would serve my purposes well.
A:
3,49,02
